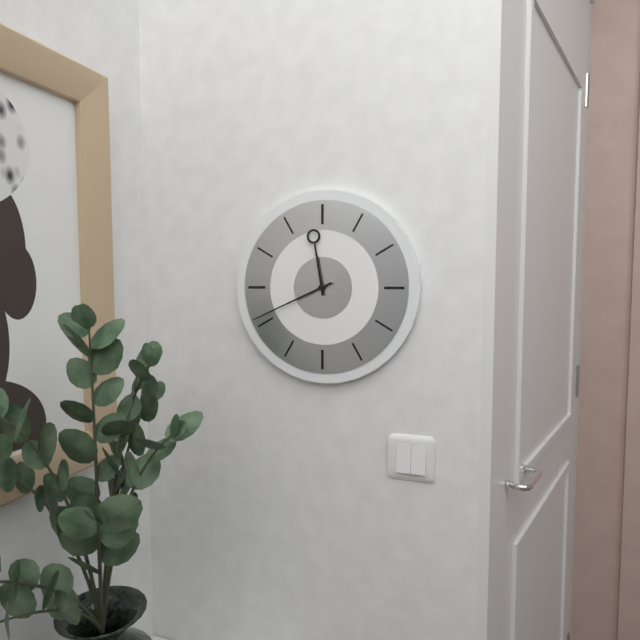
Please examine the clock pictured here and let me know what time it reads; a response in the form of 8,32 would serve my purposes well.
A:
11,41
